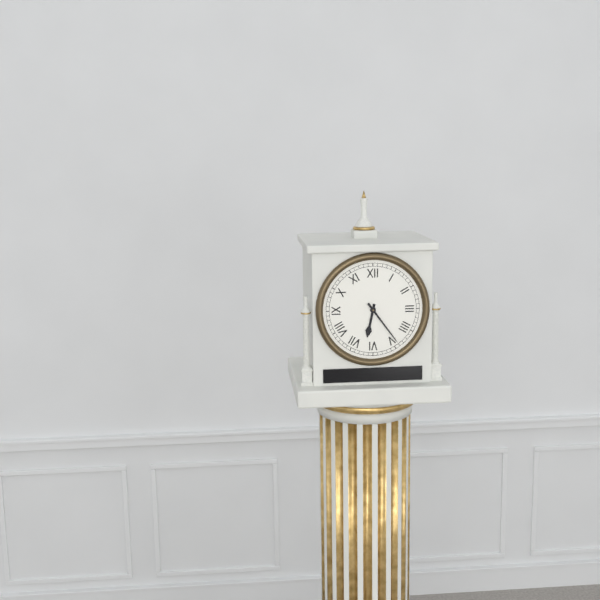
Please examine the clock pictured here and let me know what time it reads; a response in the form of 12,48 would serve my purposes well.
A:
6,24
